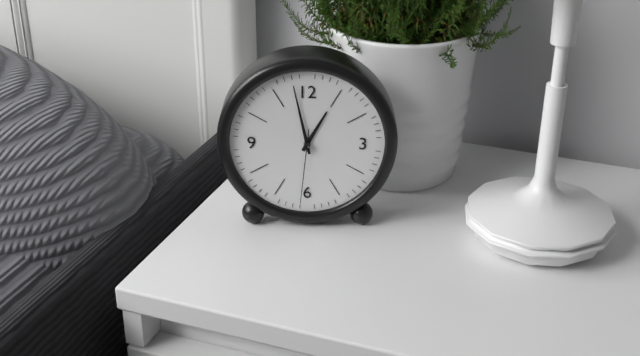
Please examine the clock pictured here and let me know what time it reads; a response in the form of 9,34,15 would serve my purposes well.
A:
12,58,31
